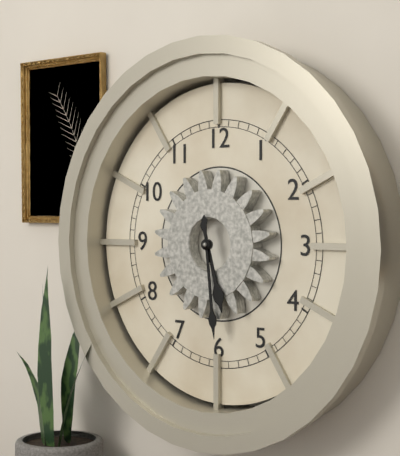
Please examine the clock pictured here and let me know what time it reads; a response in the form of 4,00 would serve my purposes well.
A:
5,29
